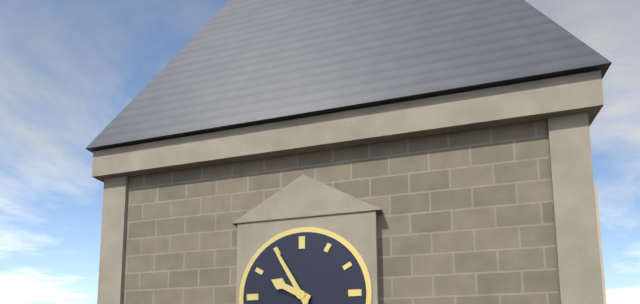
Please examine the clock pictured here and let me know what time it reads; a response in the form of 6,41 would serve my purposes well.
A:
9,55
